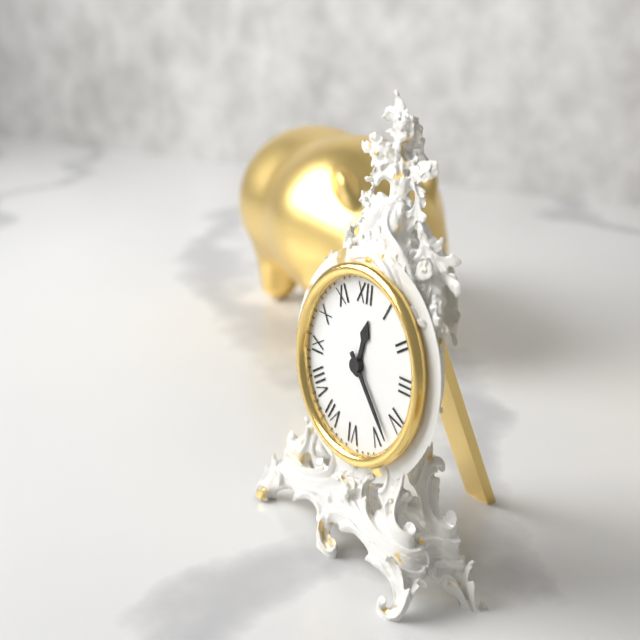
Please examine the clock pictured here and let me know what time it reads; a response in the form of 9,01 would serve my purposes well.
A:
12,23
